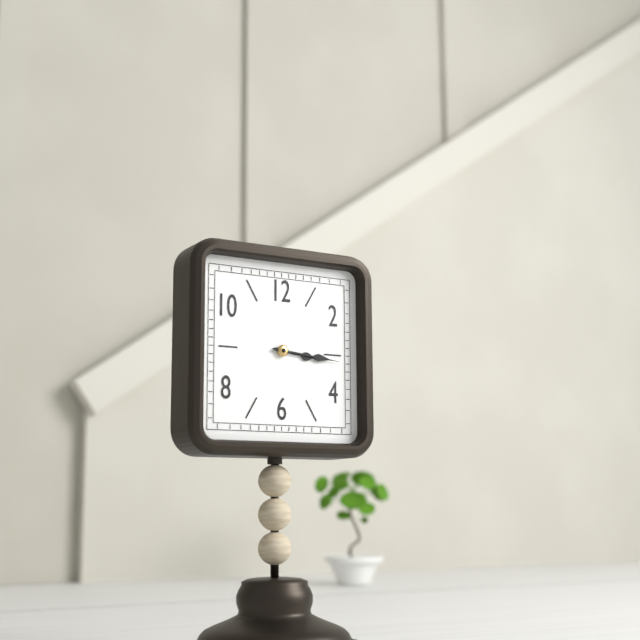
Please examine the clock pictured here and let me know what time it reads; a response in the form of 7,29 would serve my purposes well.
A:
3,16
